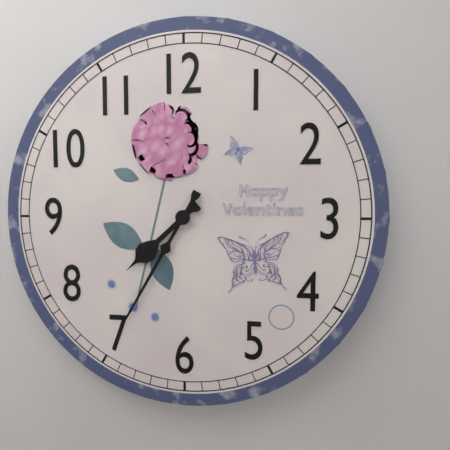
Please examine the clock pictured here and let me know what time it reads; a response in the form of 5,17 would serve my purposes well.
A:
7,35
